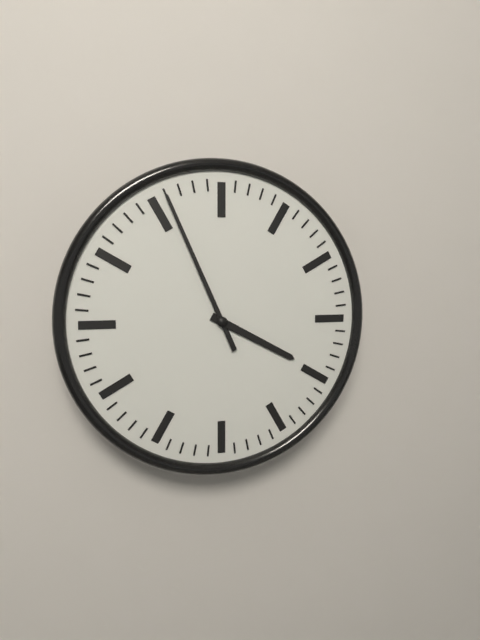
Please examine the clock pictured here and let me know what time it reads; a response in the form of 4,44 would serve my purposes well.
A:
3,56
